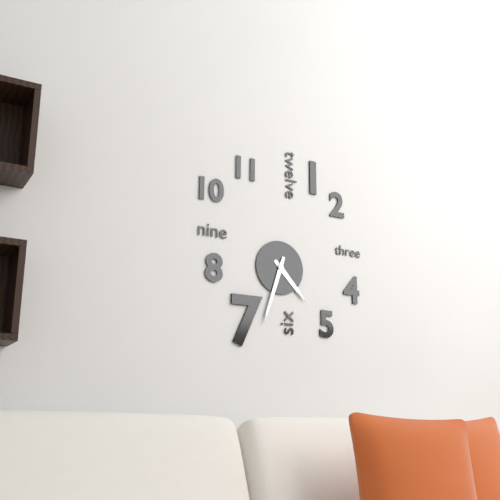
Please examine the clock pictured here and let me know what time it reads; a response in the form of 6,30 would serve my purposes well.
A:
4,33
